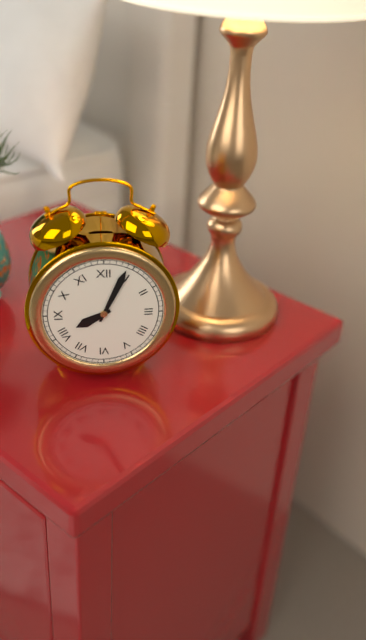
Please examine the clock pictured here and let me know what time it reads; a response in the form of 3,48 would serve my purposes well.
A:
8,04
